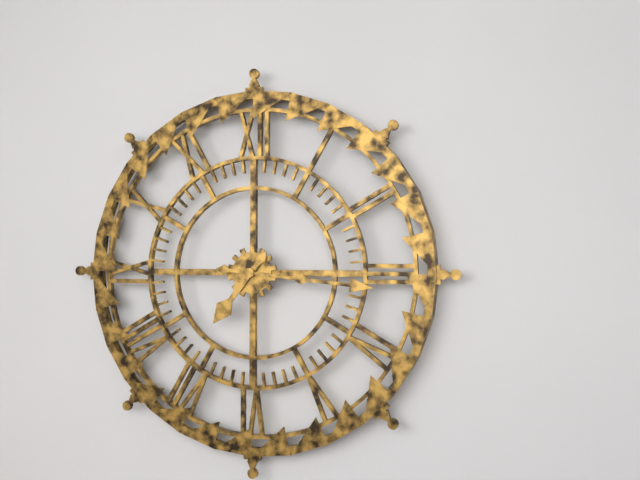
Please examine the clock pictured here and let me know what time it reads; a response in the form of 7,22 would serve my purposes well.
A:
7,16
